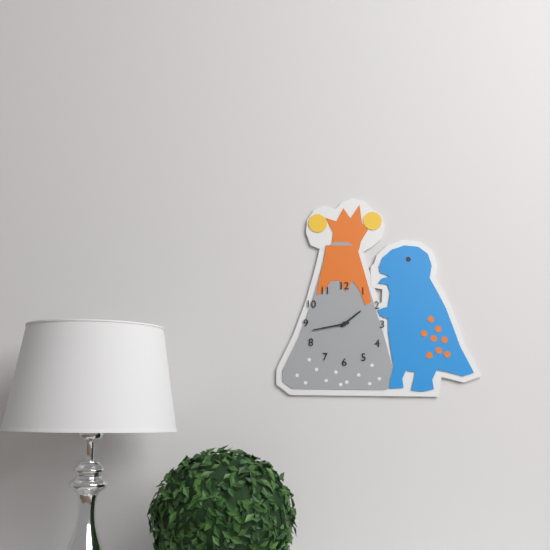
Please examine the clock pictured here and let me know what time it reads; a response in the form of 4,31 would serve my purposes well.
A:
1,43
